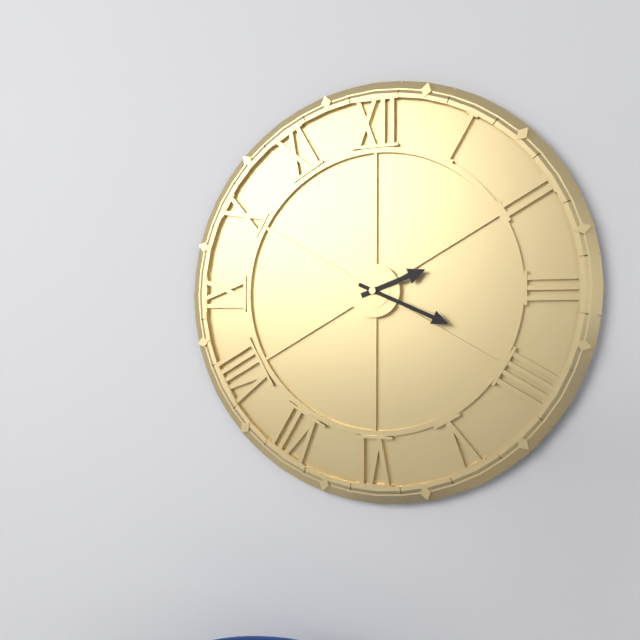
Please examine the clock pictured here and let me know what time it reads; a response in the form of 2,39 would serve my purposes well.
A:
2,19
